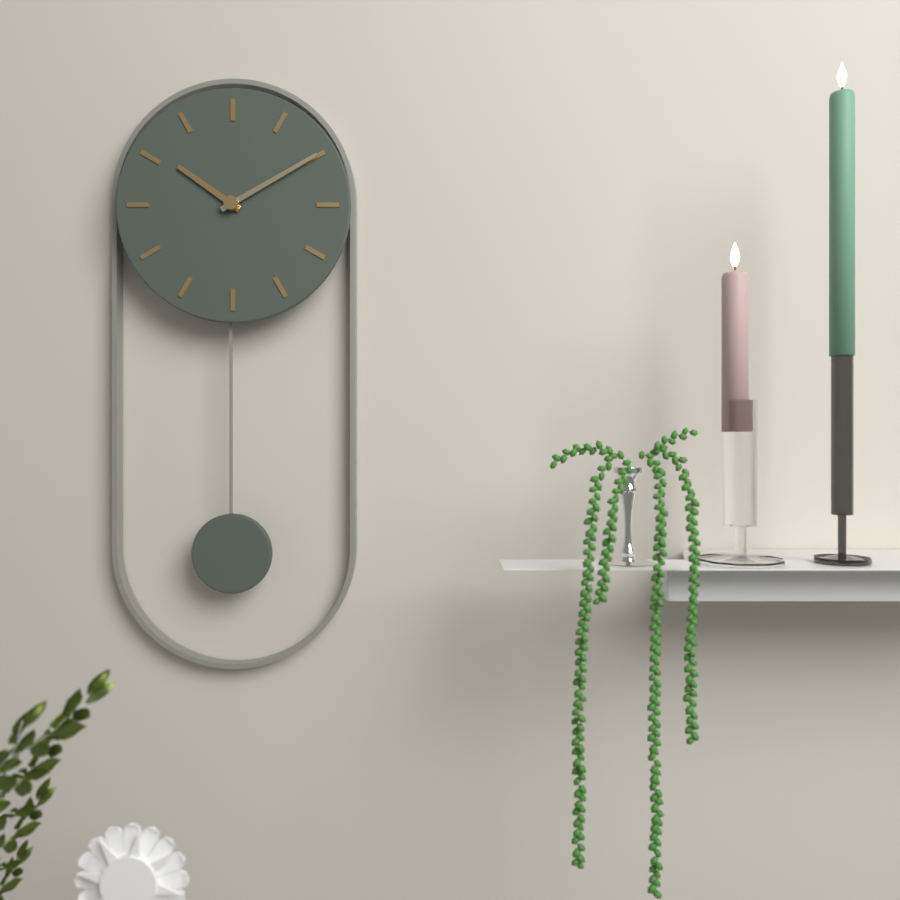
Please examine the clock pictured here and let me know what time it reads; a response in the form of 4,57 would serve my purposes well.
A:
10,10
